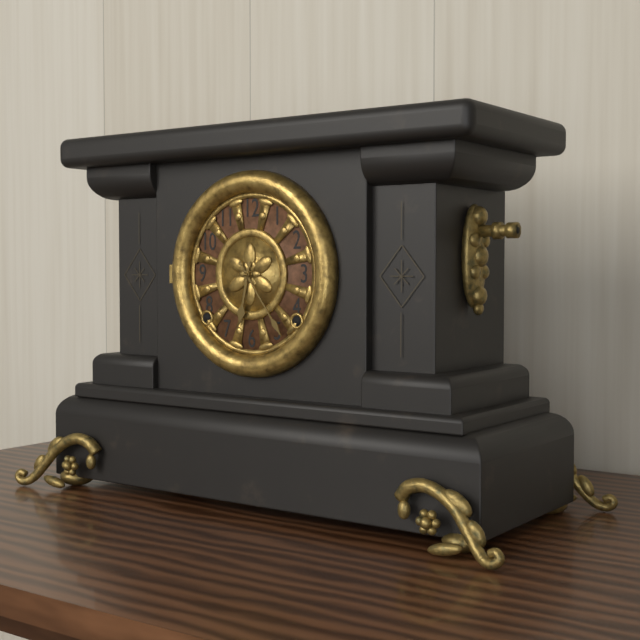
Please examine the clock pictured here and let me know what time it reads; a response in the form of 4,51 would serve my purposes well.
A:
6,24
